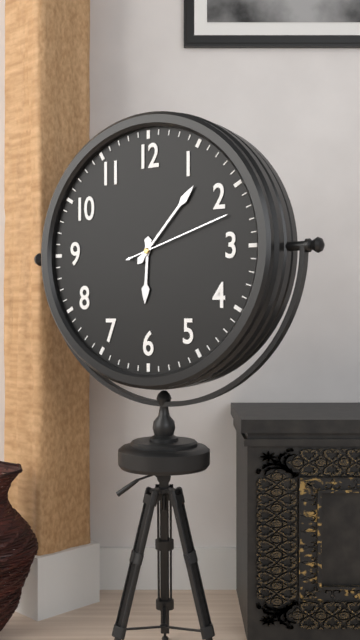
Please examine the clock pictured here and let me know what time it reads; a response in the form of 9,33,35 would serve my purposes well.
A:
6,07,12
